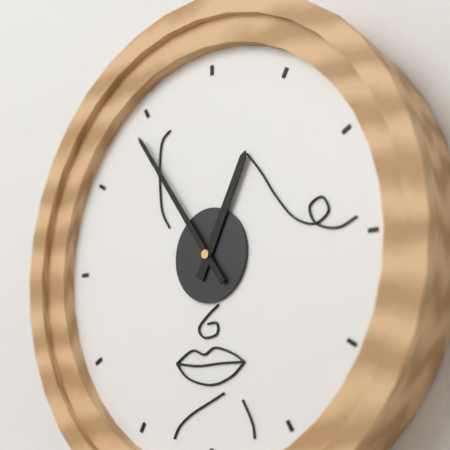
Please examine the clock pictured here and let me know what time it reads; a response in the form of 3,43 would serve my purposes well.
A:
12,54
